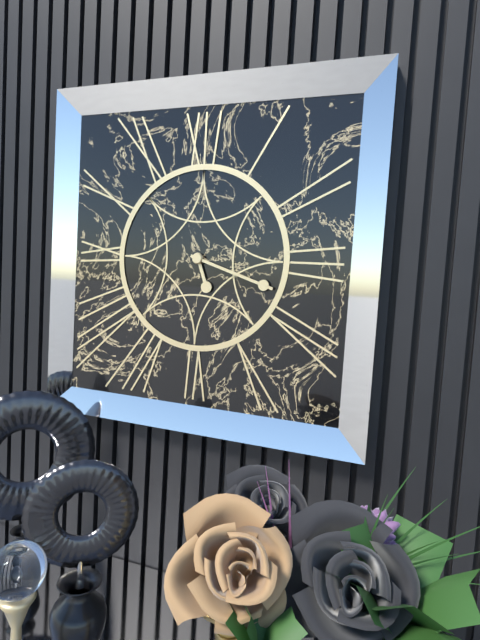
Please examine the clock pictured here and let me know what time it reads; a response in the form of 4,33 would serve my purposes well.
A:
5,18
